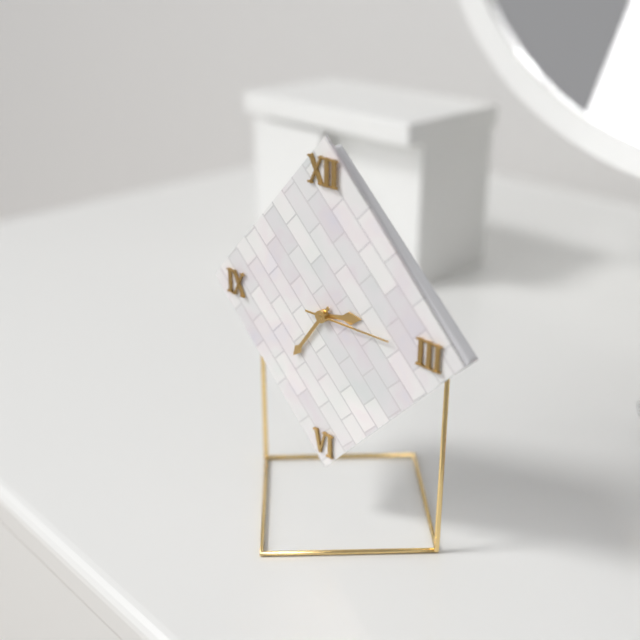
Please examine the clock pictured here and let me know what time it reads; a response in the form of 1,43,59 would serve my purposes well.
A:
2,36,15
